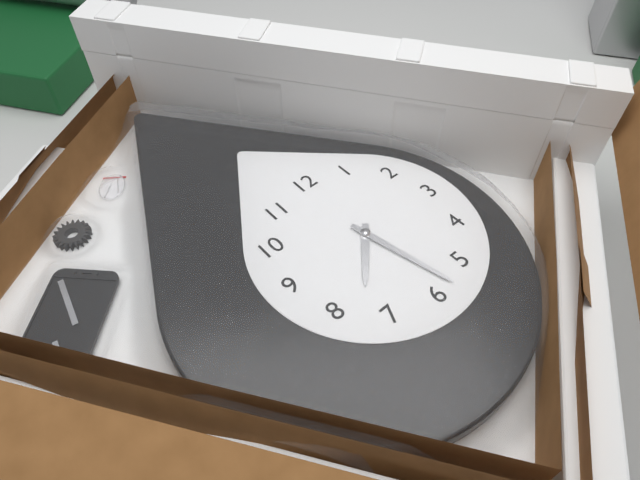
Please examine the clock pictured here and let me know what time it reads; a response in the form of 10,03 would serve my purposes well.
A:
7,28
